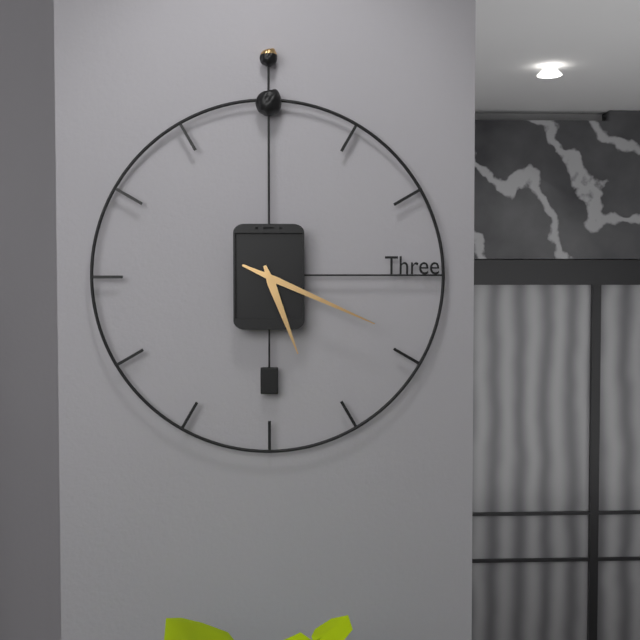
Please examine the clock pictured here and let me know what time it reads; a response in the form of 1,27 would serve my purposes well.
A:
5,19
